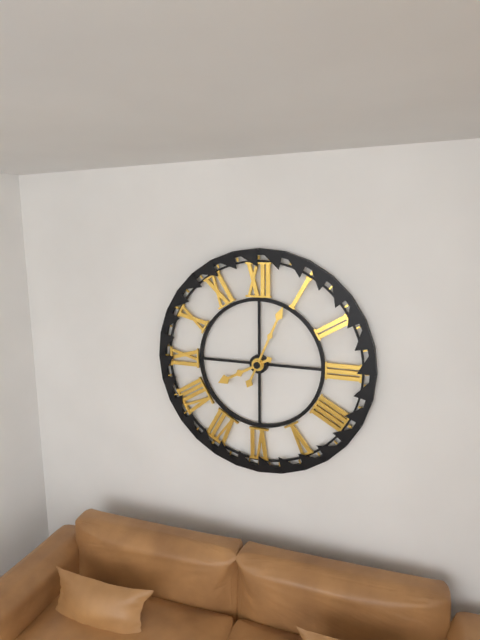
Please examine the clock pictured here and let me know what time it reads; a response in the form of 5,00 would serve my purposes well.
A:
8,04
